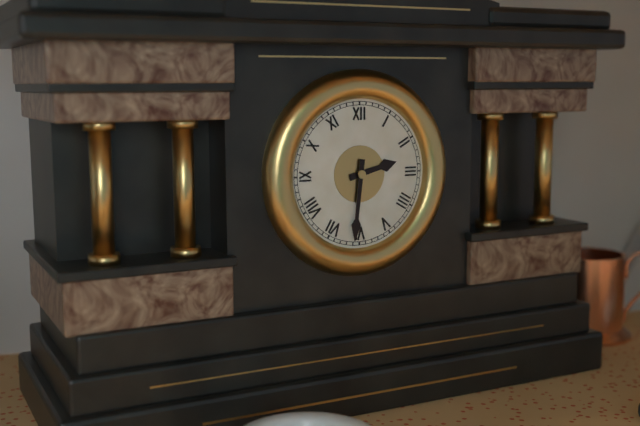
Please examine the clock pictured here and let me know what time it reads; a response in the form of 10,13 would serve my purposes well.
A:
2,31
